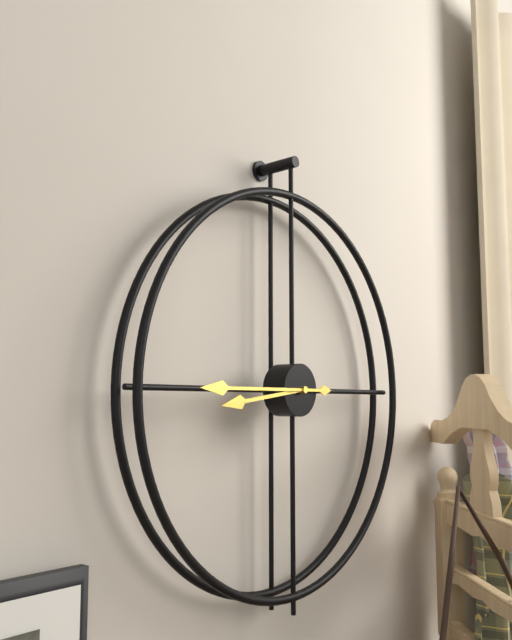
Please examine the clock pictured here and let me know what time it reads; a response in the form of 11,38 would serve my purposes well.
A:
8,45
